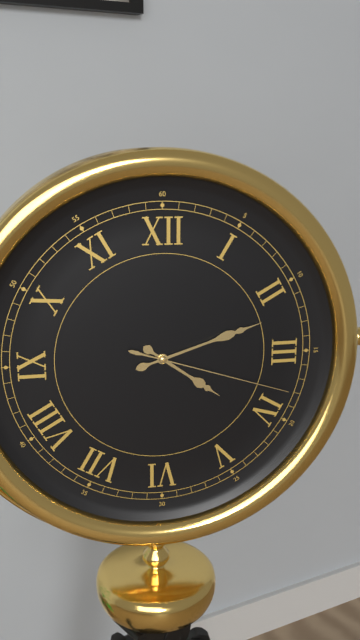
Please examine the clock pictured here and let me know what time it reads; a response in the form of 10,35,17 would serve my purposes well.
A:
4,12,18
